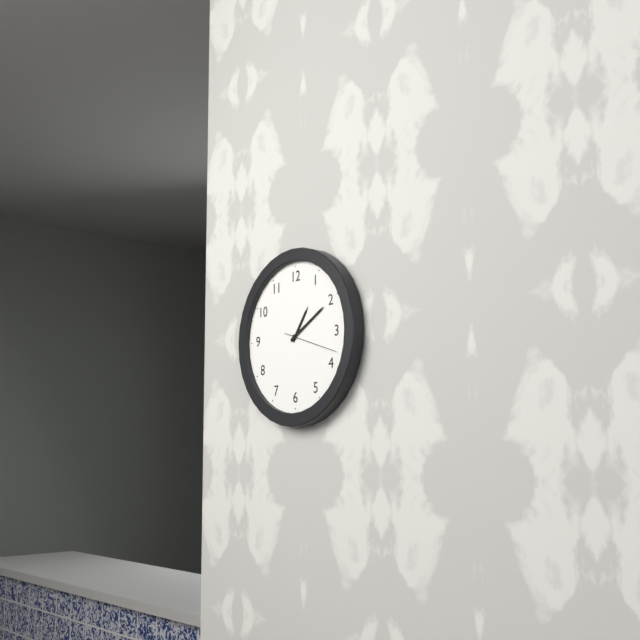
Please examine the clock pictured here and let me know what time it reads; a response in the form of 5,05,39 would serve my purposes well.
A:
1,10,18
